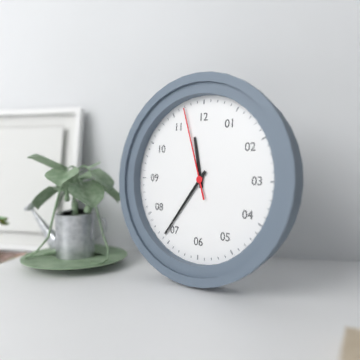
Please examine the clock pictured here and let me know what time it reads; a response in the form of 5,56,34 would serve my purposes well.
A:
11,36,57
